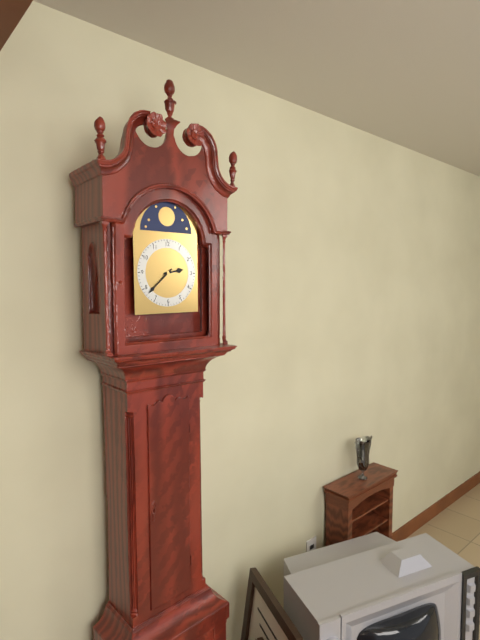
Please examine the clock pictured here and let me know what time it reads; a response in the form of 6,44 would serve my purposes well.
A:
2,38
